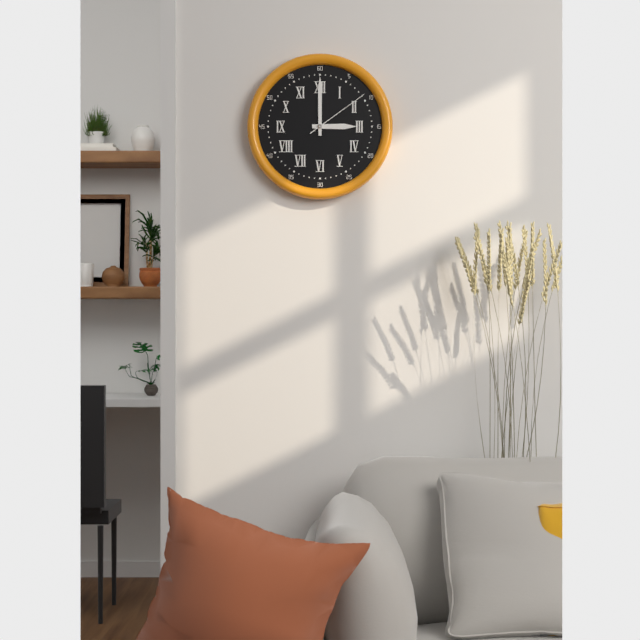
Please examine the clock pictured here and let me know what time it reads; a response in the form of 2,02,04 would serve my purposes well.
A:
3,00,09
